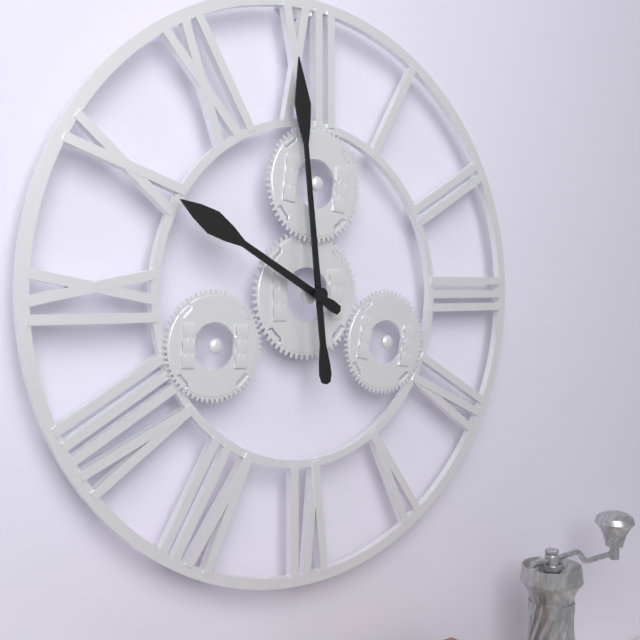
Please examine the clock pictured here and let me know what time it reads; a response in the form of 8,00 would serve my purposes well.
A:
9,59
